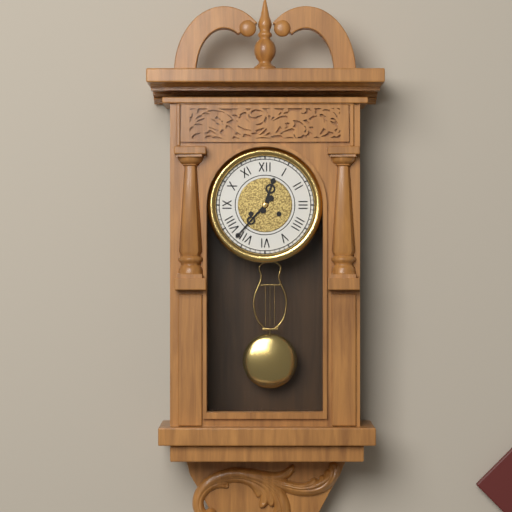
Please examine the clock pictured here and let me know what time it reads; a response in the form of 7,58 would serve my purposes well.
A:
12,37
